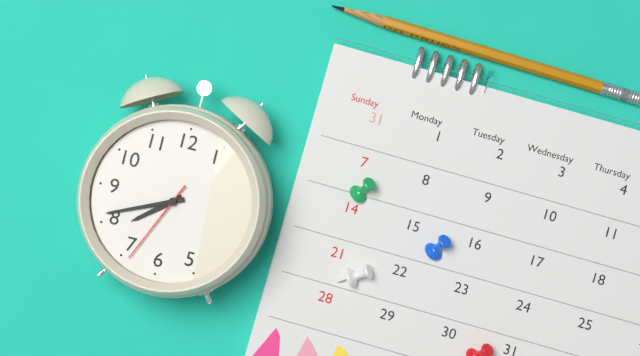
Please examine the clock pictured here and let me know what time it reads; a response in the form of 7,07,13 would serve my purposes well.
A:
7,41,34
